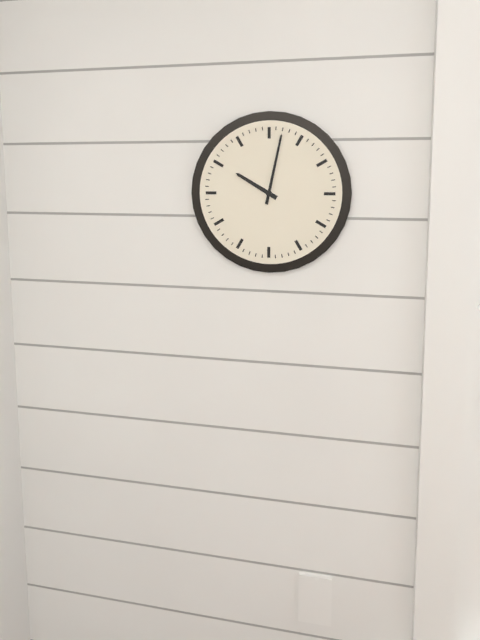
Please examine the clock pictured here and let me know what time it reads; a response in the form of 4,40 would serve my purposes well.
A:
10,02
